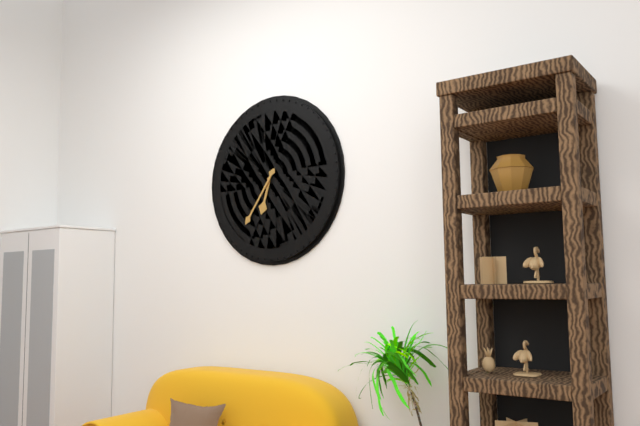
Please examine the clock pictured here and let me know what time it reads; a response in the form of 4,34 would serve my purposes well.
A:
6,36
